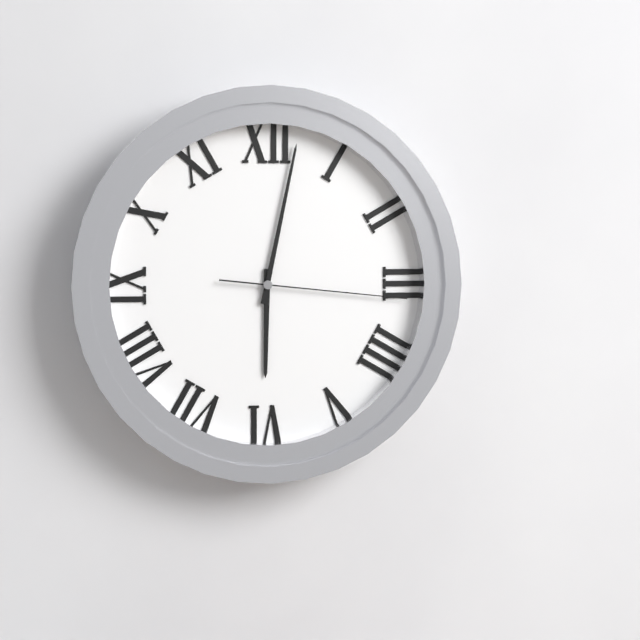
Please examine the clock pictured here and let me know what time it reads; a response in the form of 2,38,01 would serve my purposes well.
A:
6,02,16
